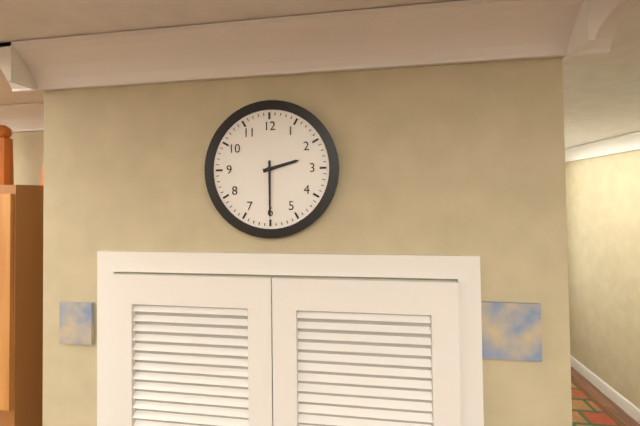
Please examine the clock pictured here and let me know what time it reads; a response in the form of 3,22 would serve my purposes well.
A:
2,30
